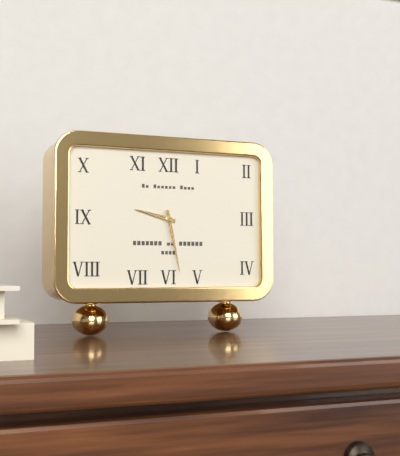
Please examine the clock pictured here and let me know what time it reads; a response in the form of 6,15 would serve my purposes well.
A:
9,28
